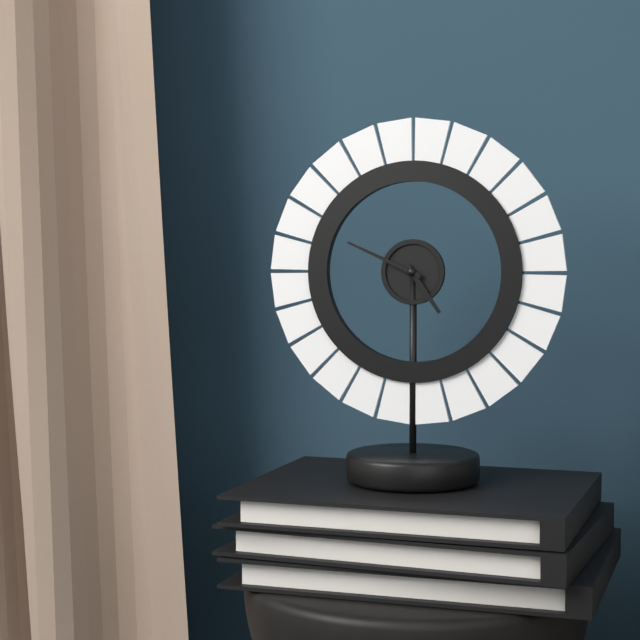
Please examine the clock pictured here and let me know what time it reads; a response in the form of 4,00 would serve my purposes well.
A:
4,49
